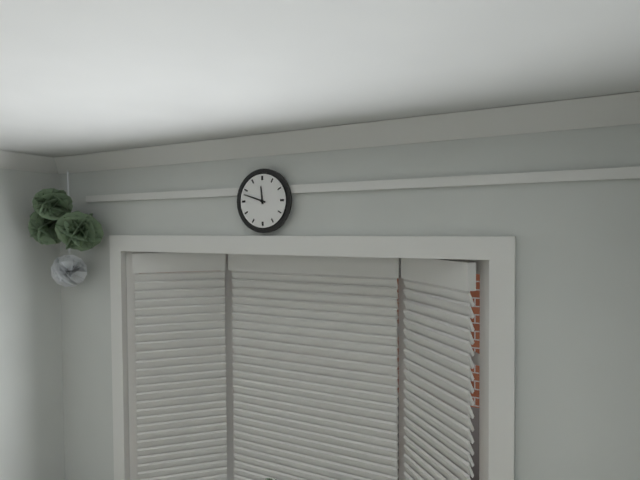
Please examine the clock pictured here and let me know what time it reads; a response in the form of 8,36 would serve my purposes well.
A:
11,48
